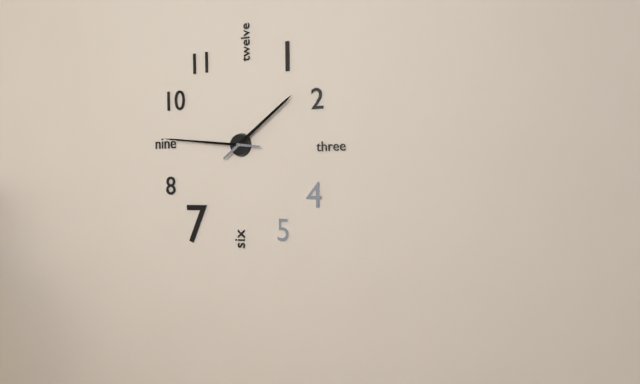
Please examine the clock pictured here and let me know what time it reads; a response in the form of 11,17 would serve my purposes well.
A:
1,46
